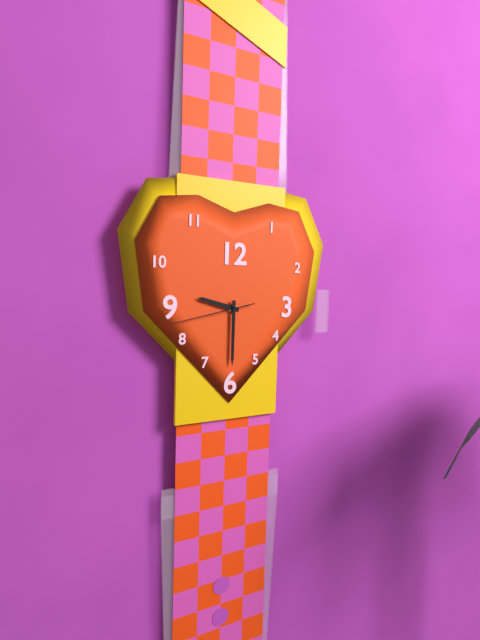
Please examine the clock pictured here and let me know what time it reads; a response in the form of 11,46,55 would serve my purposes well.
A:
9,30,43
